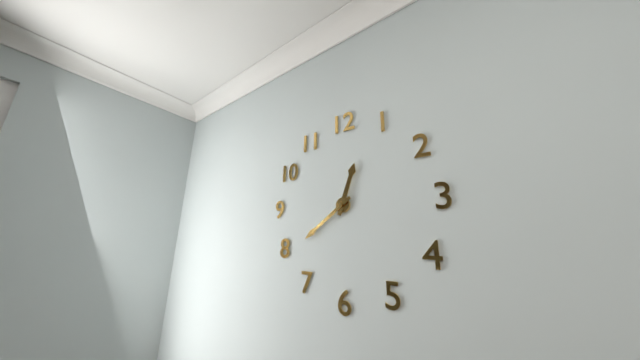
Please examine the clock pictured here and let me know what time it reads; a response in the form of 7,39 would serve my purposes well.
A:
12,39
